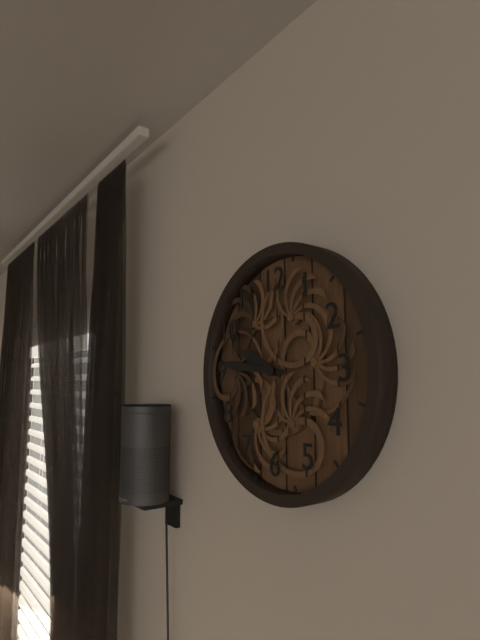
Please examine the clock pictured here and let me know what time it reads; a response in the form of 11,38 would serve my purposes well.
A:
9,46
